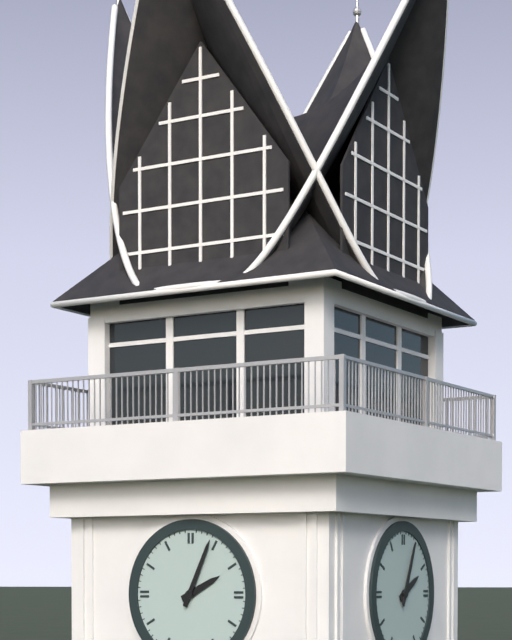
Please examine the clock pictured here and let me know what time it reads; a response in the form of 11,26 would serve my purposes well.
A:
2,04
